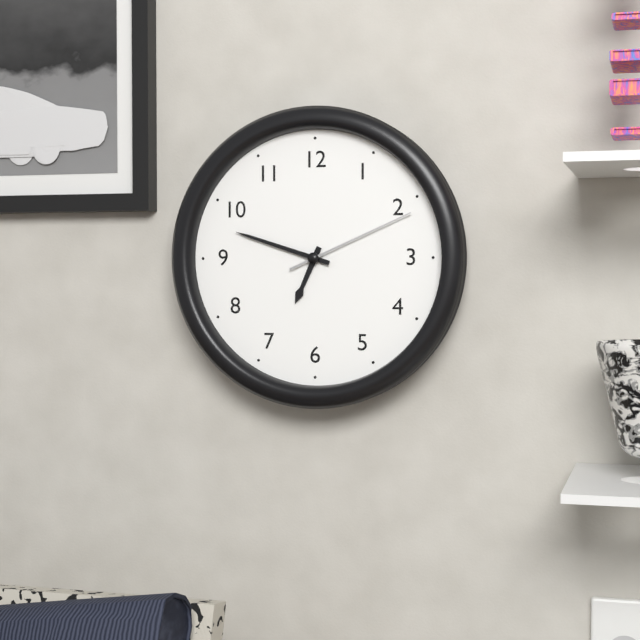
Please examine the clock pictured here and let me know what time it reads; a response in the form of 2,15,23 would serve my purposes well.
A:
6,48,11
